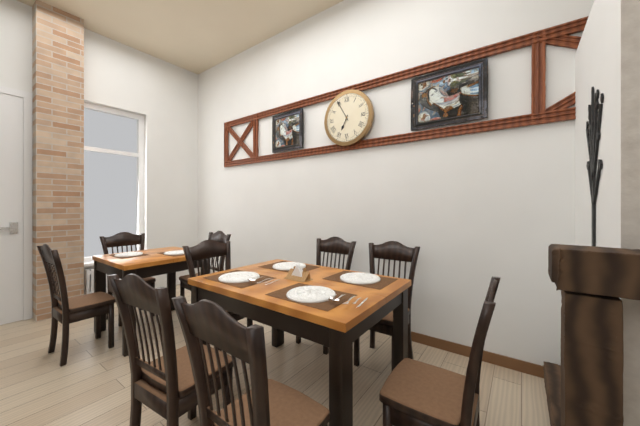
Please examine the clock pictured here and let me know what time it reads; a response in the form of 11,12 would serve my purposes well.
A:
6,55
